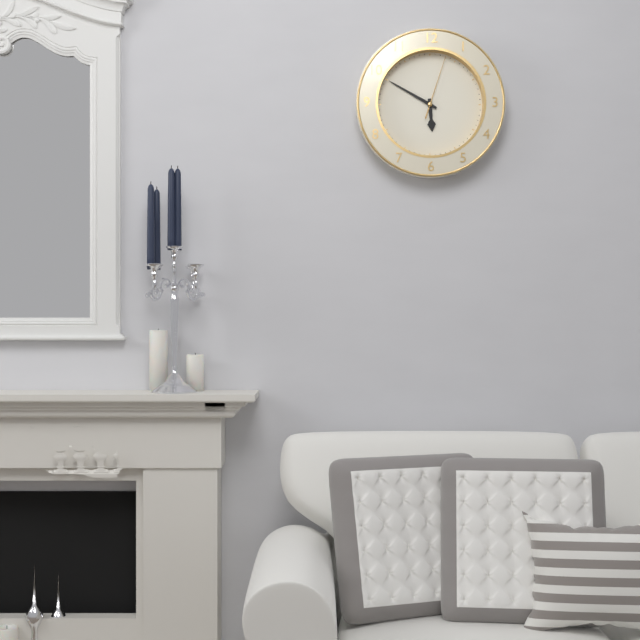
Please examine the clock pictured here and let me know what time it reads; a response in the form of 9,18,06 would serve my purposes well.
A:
5,50,03
